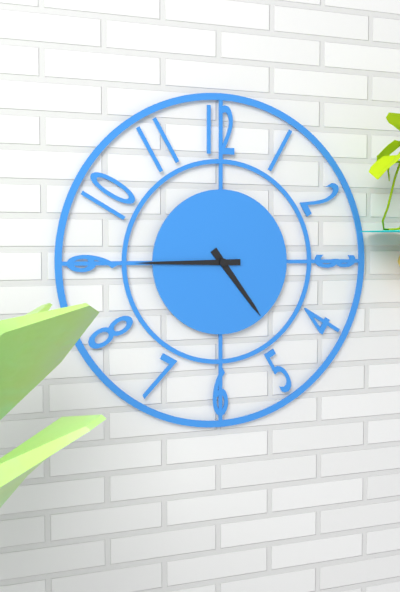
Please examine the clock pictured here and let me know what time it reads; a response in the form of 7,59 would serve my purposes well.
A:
4,45
